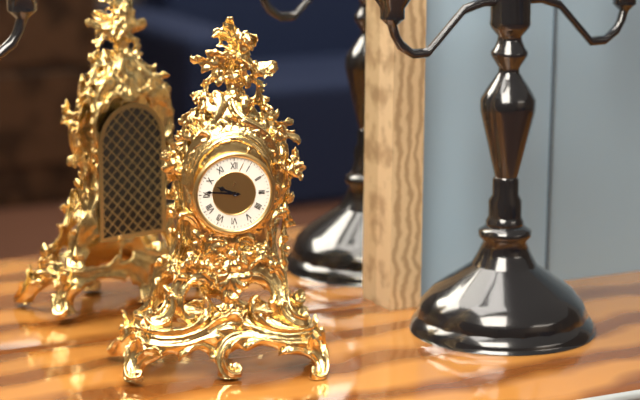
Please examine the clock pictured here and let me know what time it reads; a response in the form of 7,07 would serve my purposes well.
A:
9,46
